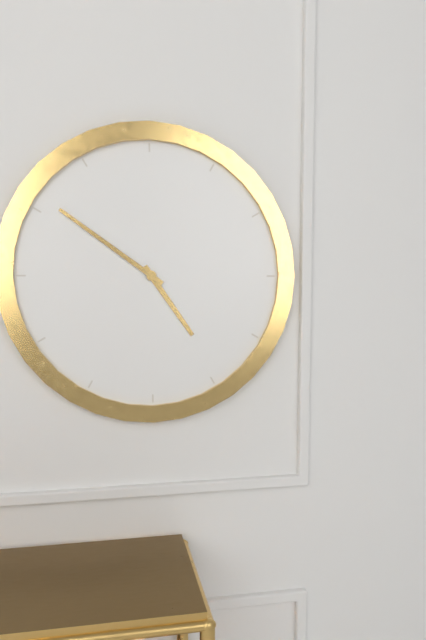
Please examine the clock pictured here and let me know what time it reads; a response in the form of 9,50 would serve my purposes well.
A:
4,51
